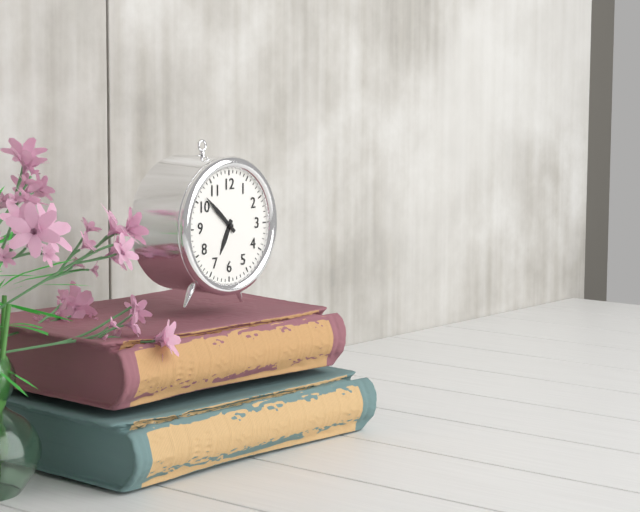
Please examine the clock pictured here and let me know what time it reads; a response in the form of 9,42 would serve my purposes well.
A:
6,52
